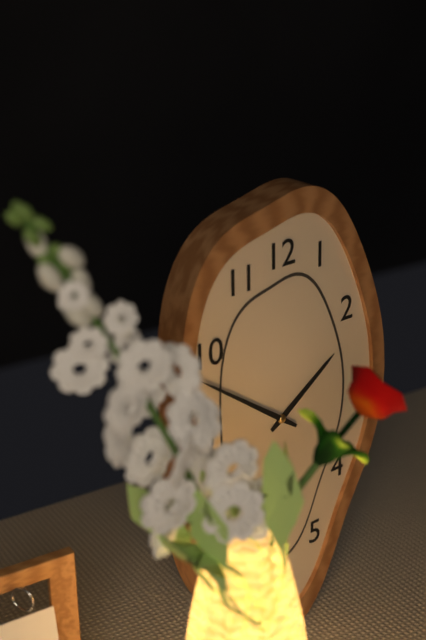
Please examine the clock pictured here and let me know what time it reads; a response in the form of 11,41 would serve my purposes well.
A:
1,51
